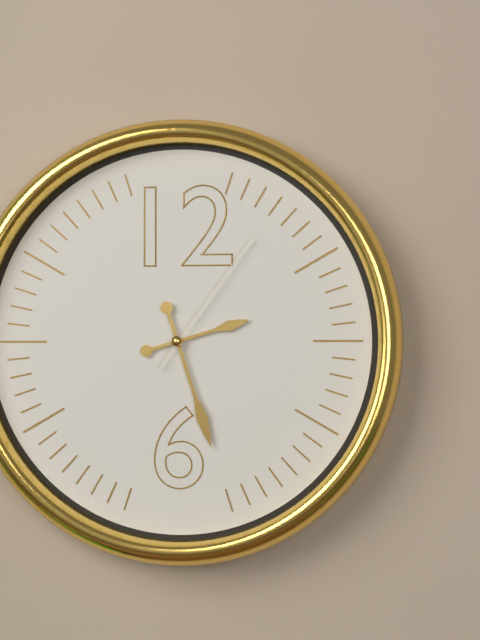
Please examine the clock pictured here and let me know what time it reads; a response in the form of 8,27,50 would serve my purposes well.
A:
2,27,06
